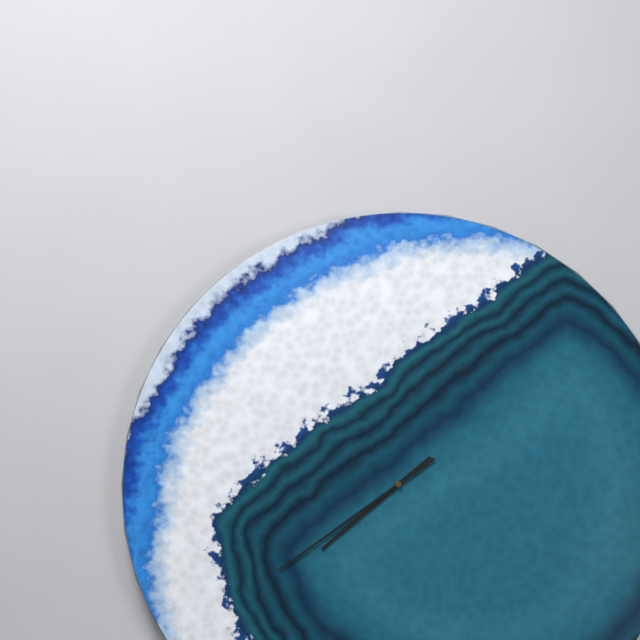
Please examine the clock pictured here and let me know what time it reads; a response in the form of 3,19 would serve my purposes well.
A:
7,39
